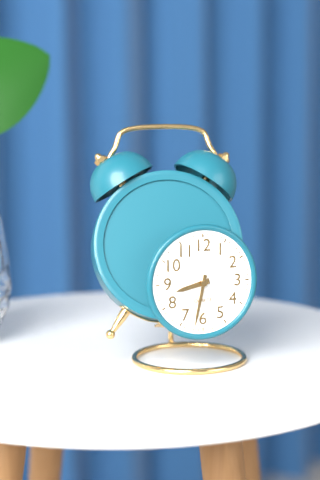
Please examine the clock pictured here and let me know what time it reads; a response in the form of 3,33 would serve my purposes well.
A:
8,32
